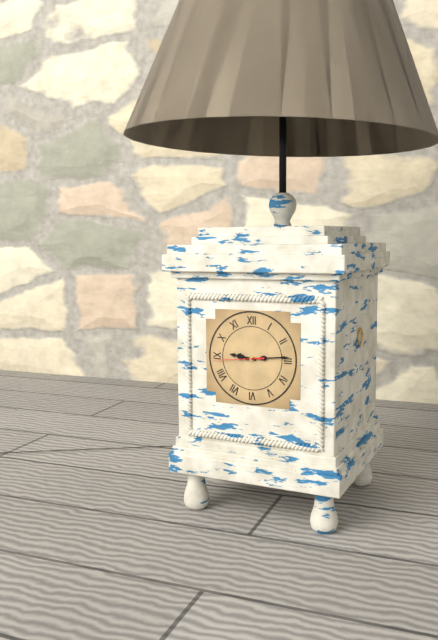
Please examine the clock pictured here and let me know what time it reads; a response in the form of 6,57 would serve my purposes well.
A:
9,14
